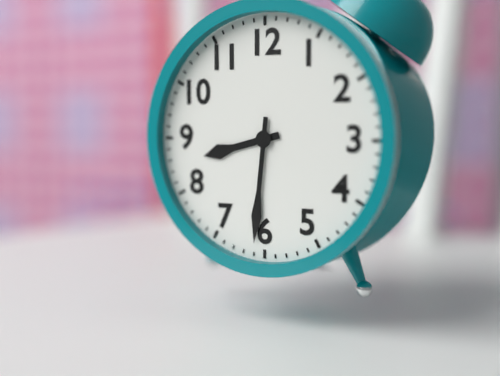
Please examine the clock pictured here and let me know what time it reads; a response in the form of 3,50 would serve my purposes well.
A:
8,31
